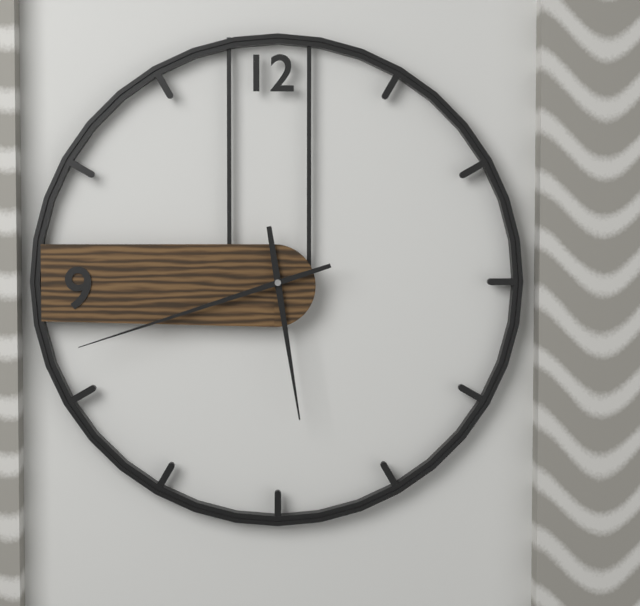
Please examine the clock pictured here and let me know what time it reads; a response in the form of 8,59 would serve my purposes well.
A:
5,42
